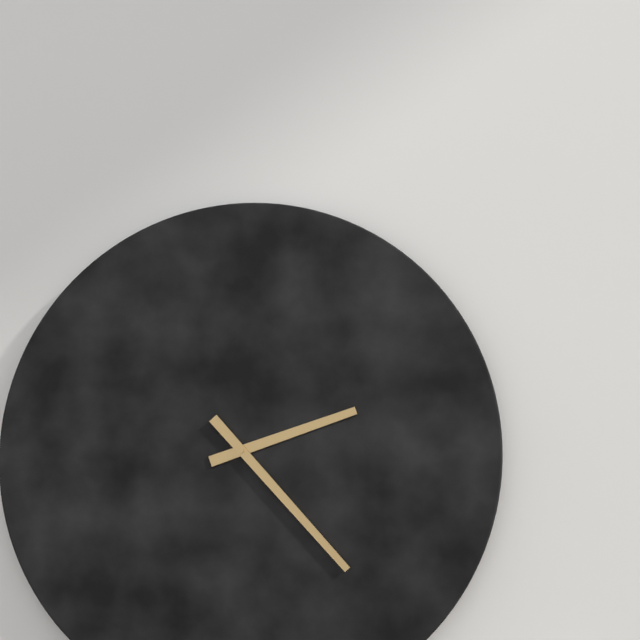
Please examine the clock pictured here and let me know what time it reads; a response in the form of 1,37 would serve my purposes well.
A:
2,23
